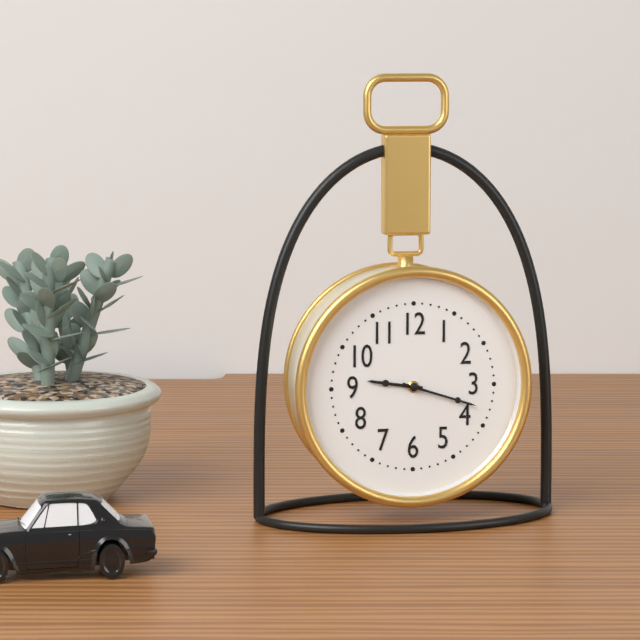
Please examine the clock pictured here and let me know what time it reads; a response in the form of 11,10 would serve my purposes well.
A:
9,18
